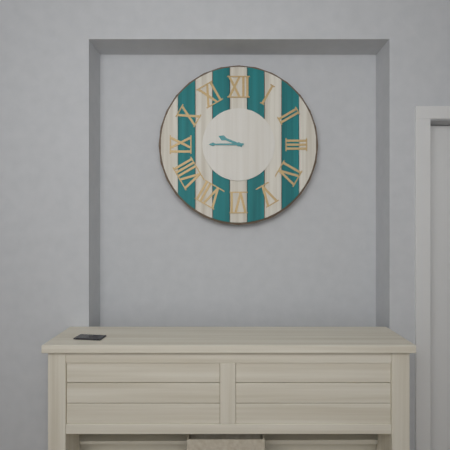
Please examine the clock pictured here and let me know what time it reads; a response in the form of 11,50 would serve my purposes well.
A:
9,45
